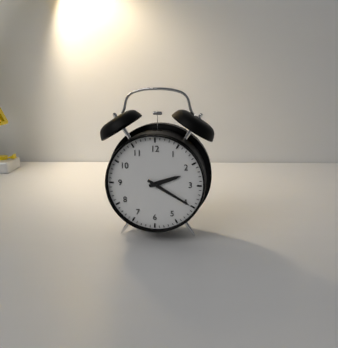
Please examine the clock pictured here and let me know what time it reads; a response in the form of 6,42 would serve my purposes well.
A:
2,20
